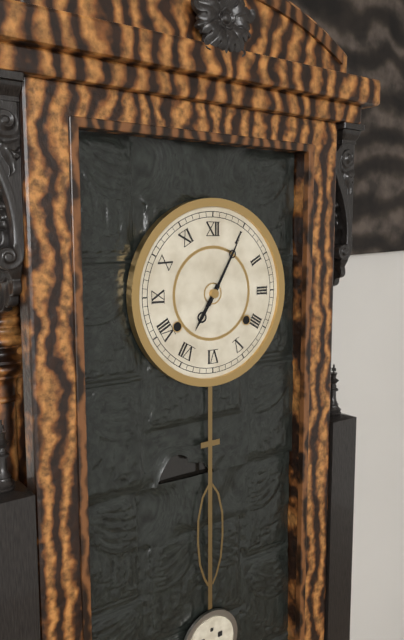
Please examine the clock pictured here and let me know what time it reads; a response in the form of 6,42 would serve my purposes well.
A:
7,05
